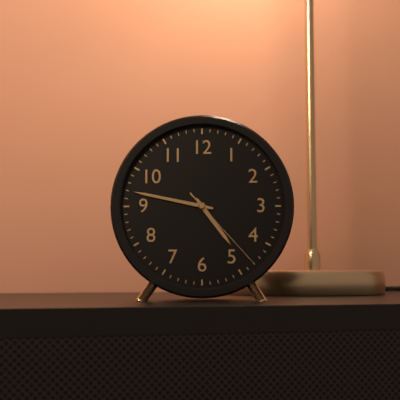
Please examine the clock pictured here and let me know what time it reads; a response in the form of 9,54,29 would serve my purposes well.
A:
4,47,23
